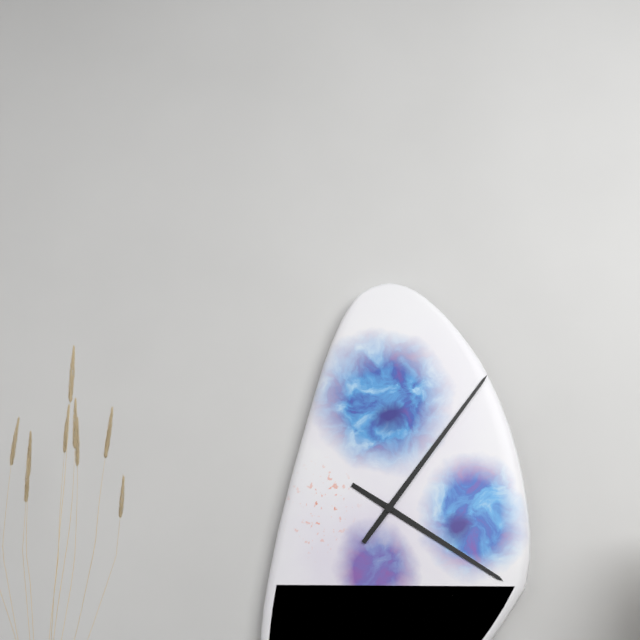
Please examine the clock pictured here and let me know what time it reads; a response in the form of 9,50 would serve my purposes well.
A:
4,06
